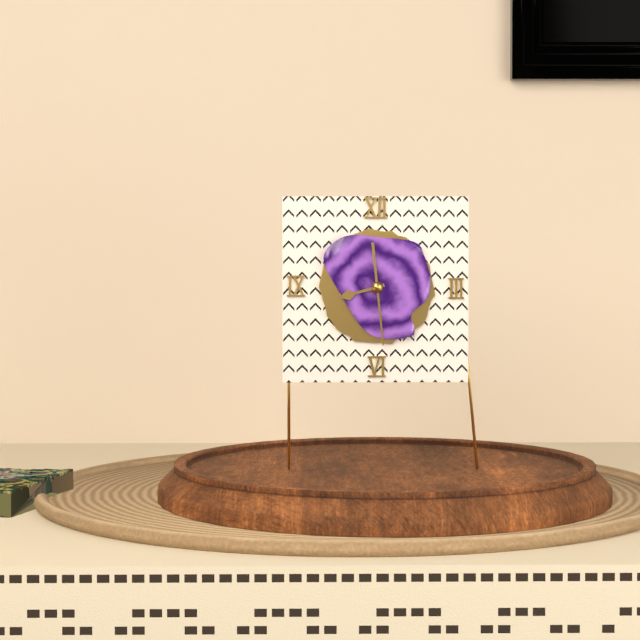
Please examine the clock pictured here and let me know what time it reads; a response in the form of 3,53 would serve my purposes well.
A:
8,29
